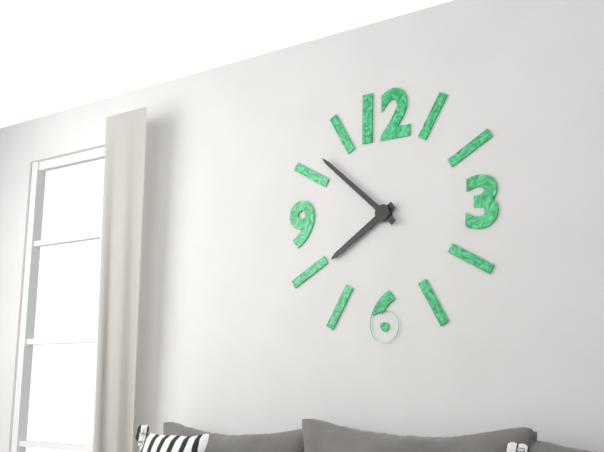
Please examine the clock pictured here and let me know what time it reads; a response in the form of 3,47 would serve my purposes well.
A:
7,52
